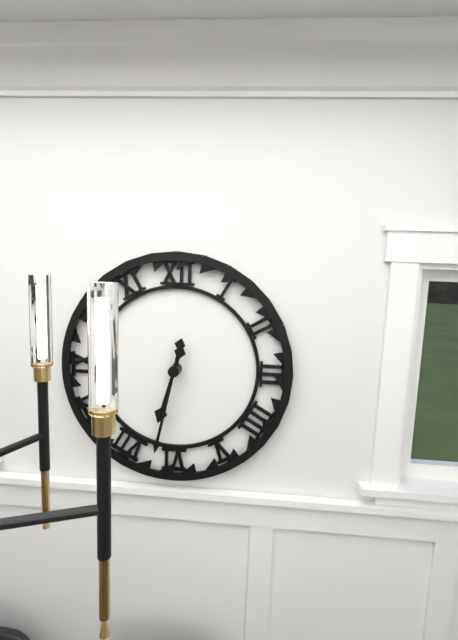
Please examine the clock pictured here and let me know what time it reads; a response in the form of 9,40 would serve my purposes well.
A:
6,32
